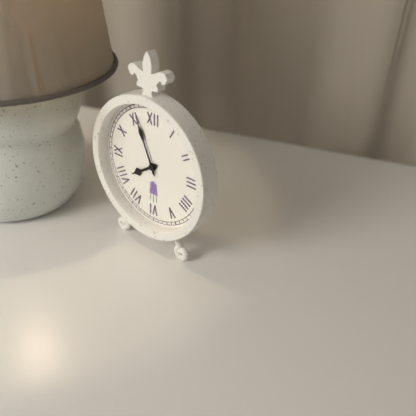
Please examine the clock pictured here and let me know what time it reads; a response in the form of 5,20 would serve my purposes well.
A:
7,56
